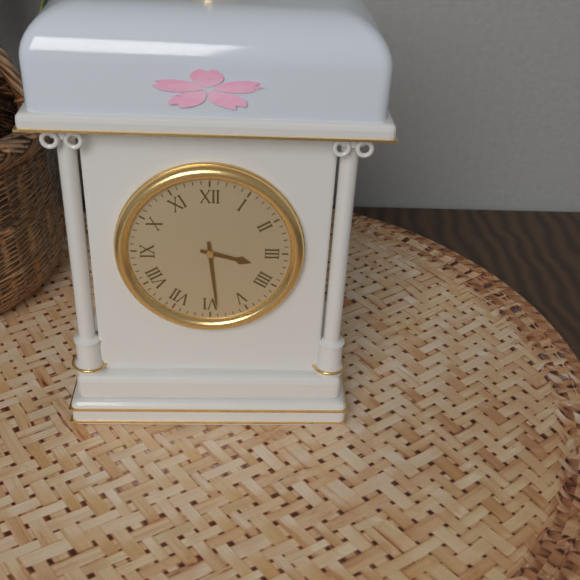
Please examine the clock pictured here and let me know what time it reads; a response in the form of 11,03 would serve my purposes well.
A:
3,29
